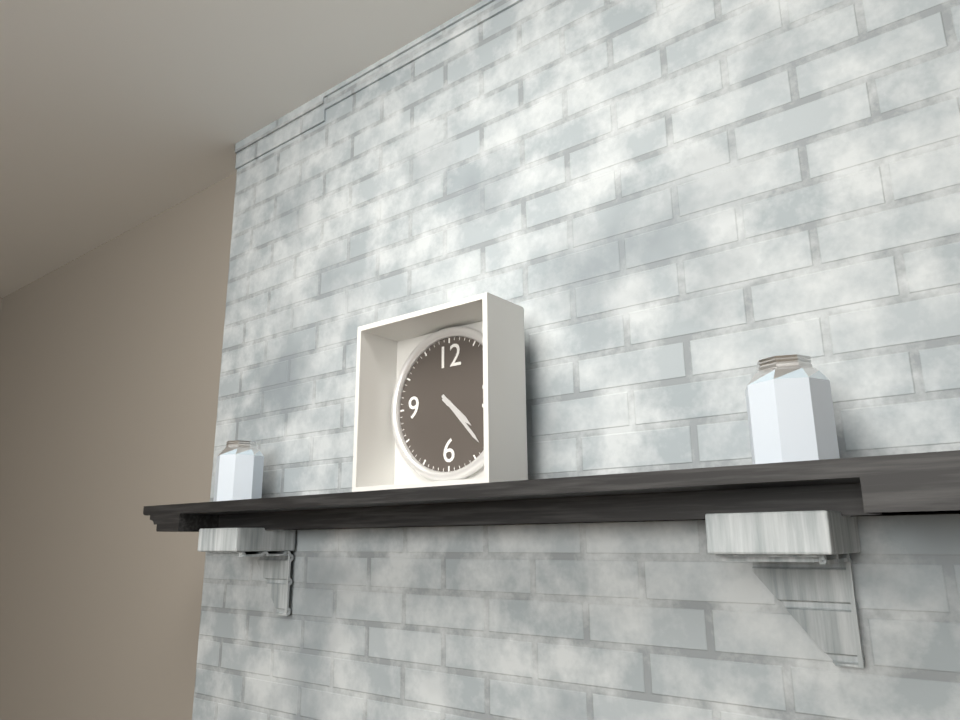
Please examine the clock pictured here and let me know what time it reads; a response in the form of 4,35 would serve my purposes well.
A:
4,23
